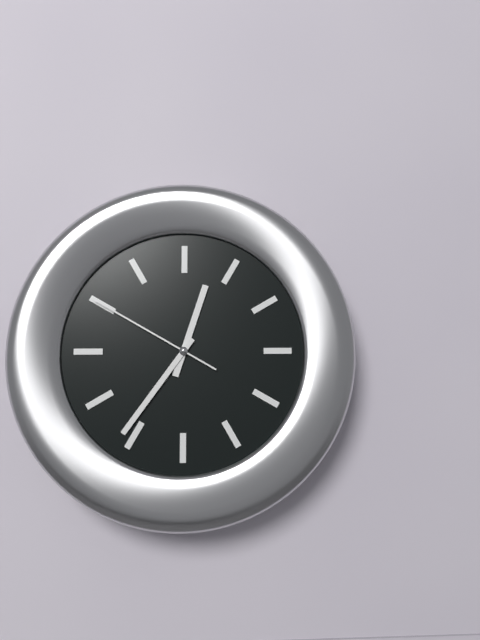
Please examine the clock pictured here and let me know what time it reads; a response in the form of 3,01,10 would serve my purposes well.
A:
12,36,50
